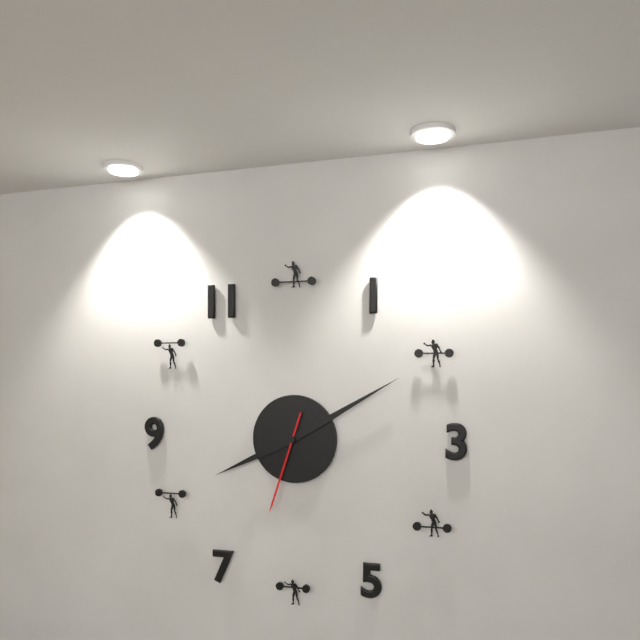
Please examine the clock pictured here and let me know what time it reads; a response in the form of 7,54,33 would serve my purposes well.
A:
8,10,33
